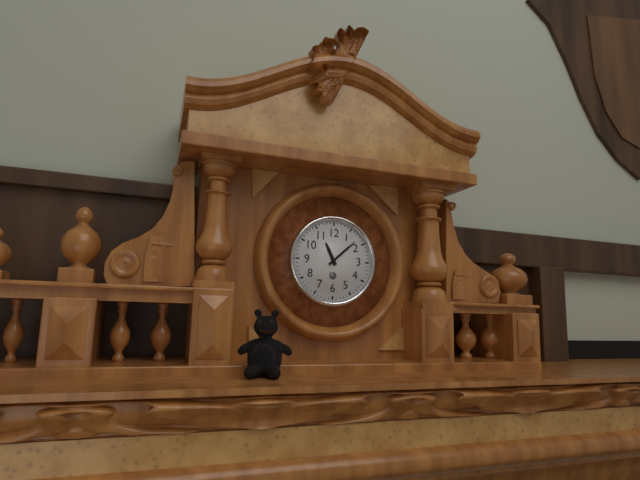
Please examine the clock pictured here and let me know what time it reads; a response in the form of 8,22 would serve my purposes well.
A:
11,08
